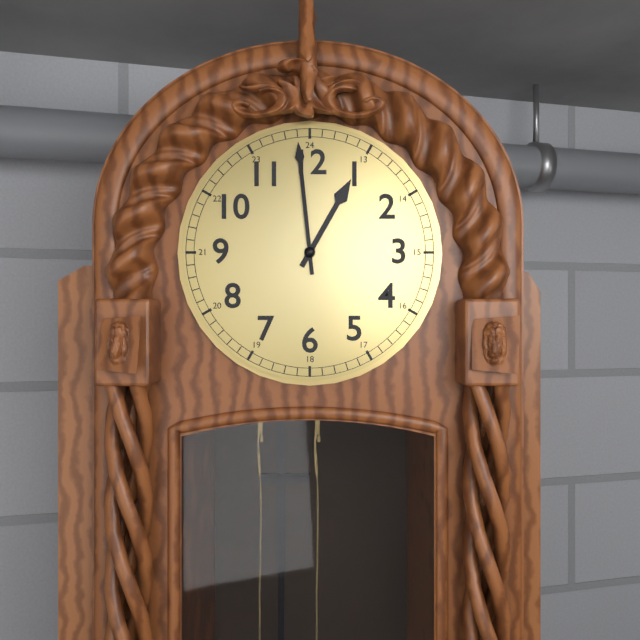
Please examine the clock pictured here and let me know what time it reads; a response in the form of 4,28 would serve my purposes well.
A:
12,59
